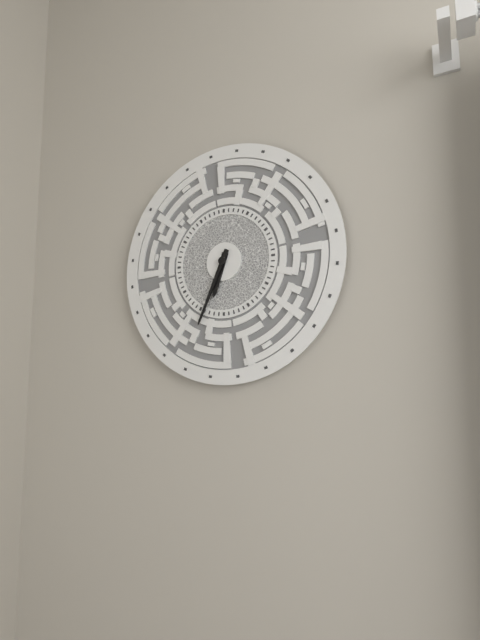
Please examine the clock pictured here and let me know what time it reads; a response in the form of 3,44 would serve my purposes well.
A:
6,34
